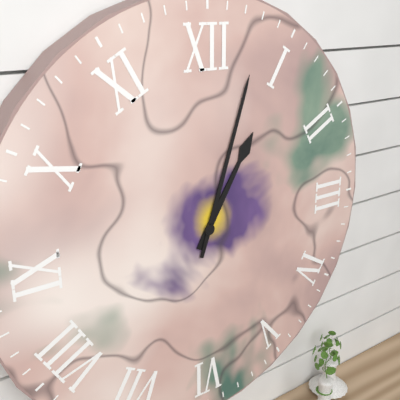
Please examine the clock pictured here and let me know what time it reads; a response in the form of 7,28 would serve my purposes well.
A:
1,03
